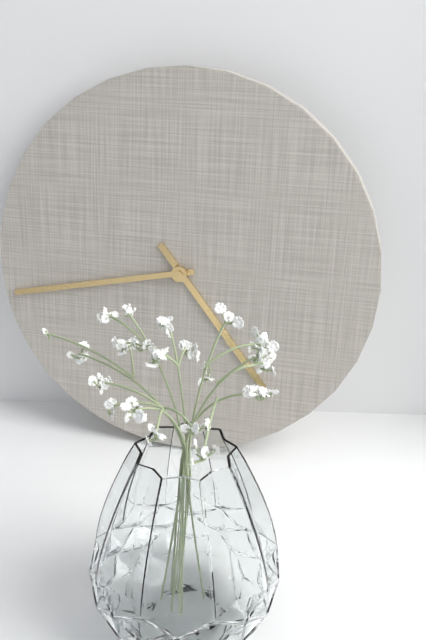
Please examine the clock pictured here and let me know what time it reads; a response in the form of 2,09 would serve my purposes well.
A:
4,43
